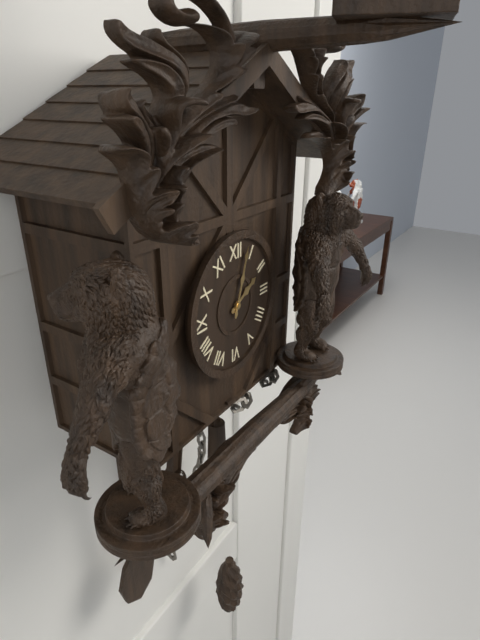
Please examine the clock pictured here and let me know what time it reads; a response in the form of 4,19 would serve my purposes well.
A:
2,03
